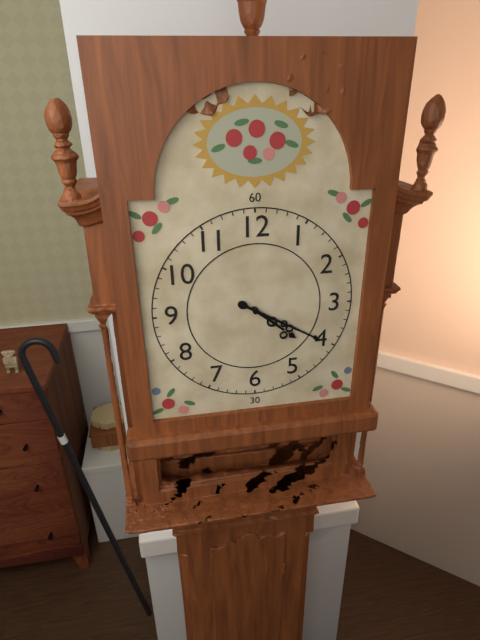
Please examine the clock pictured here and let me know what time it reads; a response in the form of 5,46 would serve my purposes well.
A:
4,20
